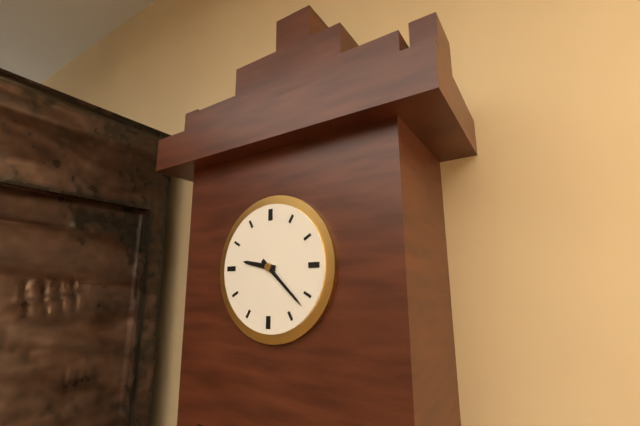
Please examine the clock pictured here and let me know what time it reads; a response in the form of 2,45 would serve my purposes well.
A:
9,22
